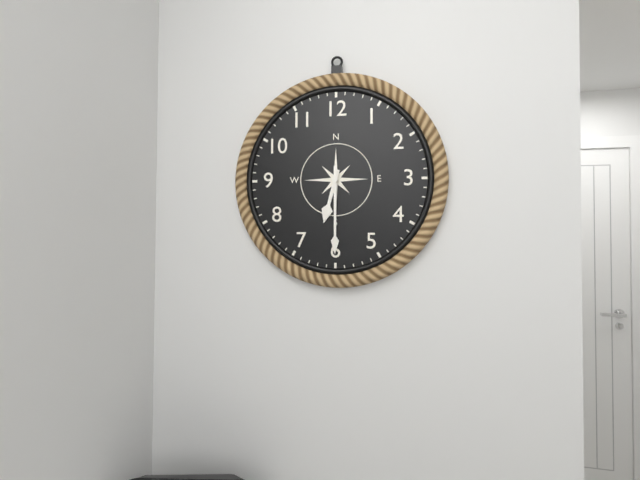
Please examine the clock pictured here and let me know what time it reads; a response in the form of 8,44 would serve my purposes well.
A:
6,30
